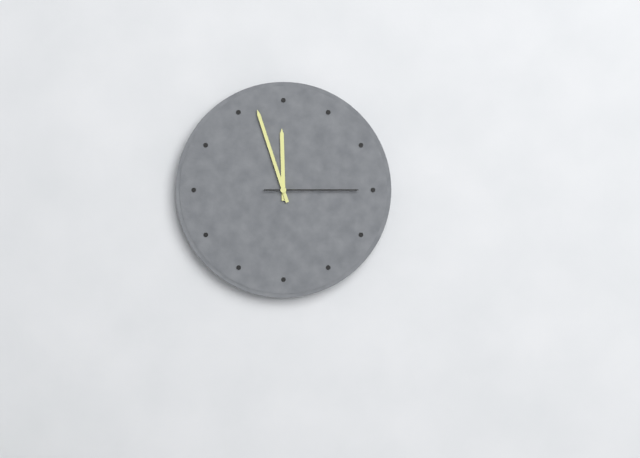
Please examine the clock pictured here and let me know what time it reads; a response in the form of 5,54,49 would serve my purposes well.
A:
11,57,15
